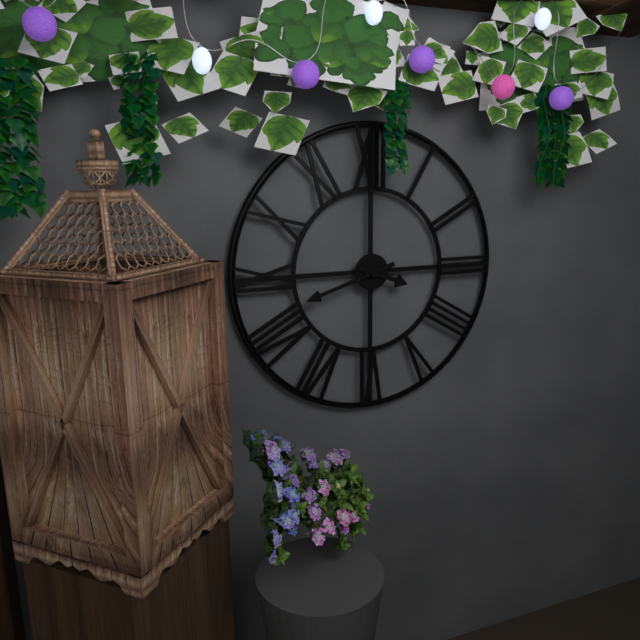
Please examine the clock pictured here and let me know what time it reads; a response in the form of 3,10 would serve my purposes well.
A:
3,42
